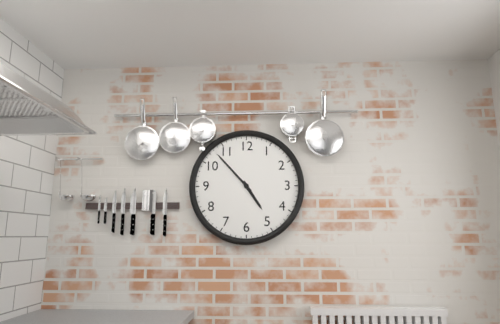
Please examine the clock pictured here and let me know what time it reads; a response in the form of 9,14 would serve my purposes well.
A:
4,53
